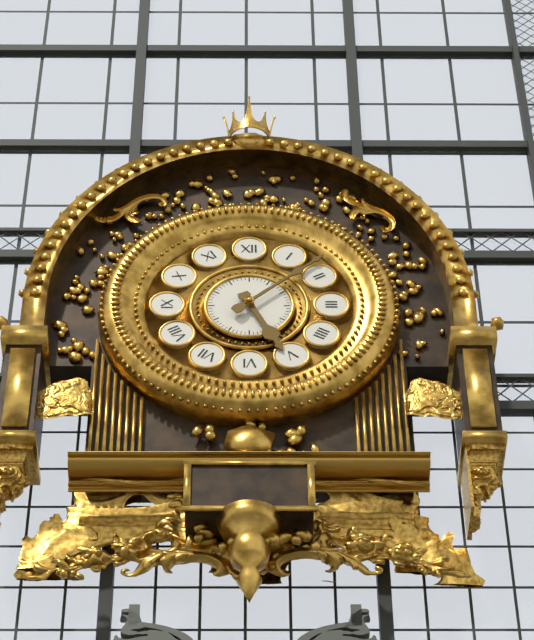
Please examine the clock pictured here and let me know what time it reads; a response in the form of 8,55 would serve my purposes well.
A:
5,08
